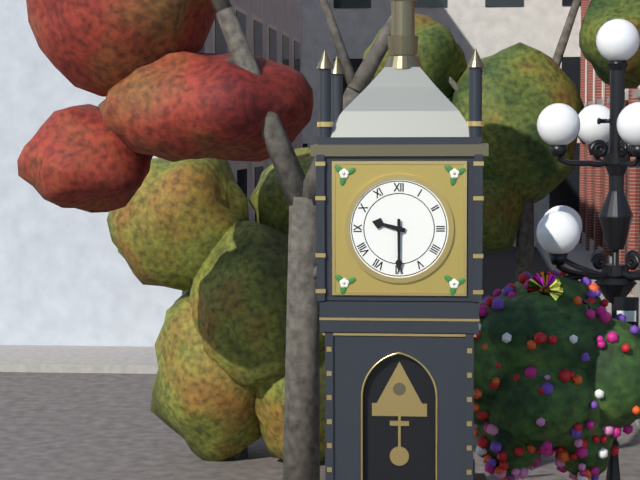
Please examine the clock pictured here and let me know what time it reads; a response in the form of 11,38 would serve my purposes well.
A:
9,30
